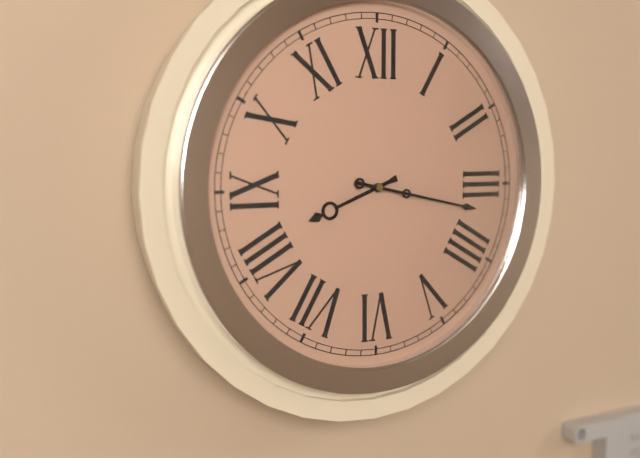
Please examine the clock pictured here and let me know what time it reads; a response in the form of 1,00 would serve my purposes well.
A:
8,17
